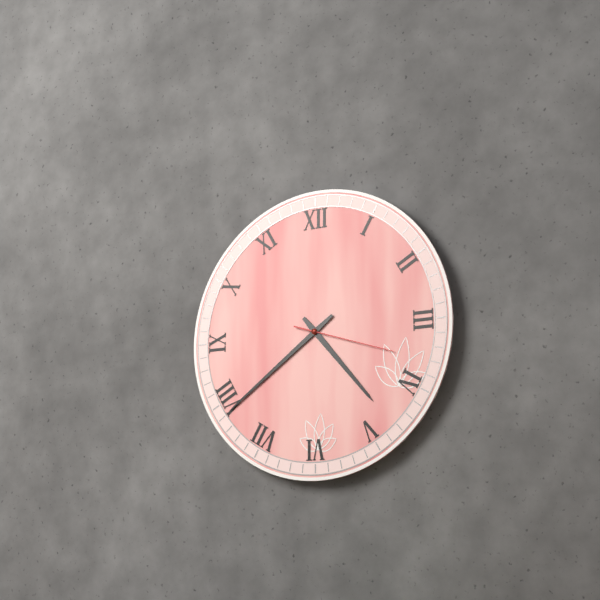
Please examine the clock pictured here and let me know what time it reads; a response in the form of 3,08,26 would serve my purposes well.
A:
4,39,18
